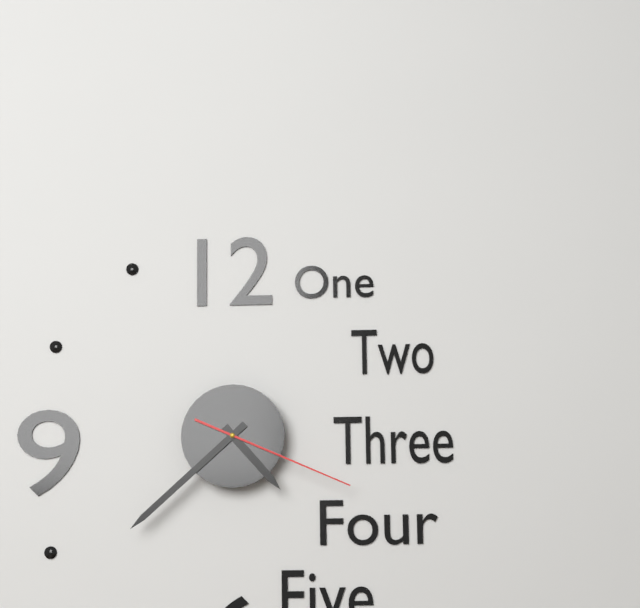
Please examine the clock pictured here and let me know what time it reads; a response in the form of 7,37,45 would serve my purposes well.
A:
4,38,19
